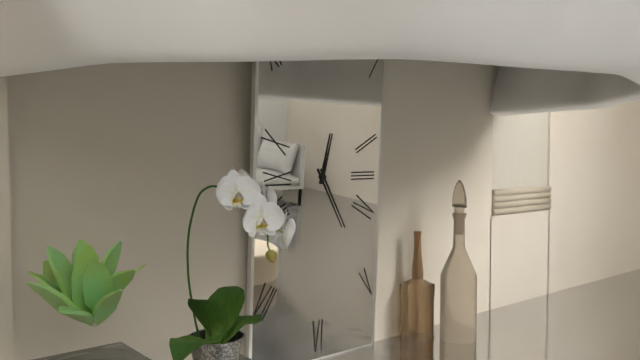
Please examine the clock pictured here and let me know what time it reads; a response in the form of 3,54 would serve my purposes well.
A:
12,25
